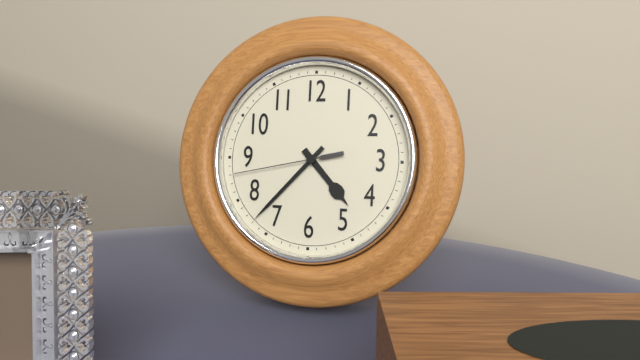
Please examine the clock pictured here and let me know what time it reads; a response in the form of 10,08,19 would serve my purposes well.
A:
4,37,43
